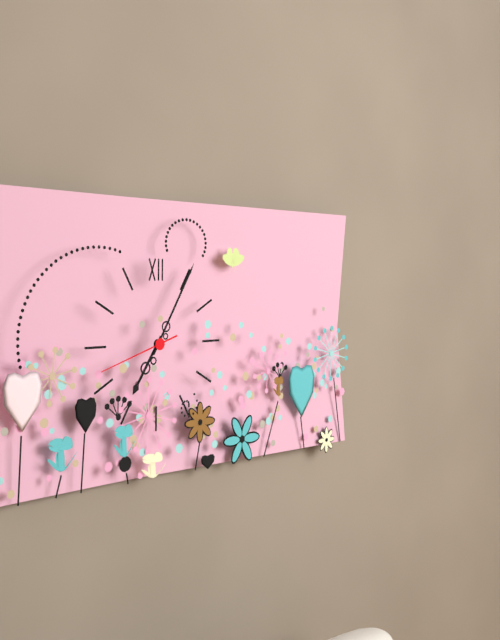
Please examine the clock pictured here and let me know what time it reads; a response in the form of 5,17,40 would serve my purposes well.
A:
7,05,42
